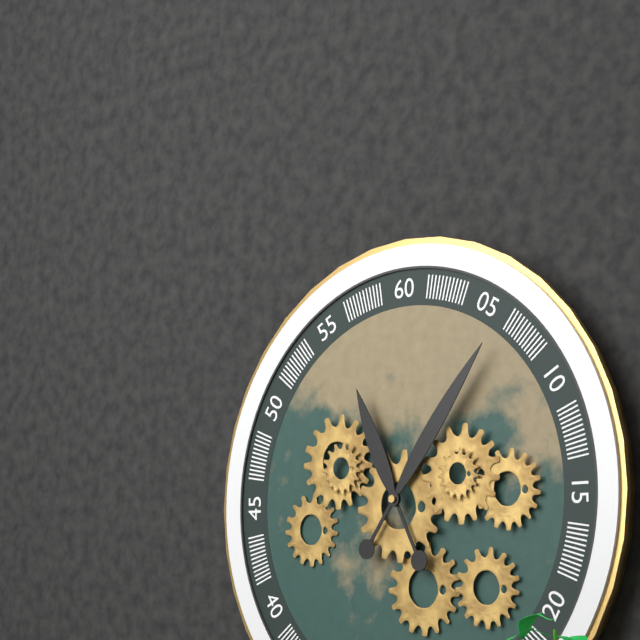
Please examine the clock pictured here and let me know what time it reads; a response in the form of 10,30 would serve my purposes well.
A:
11,06
